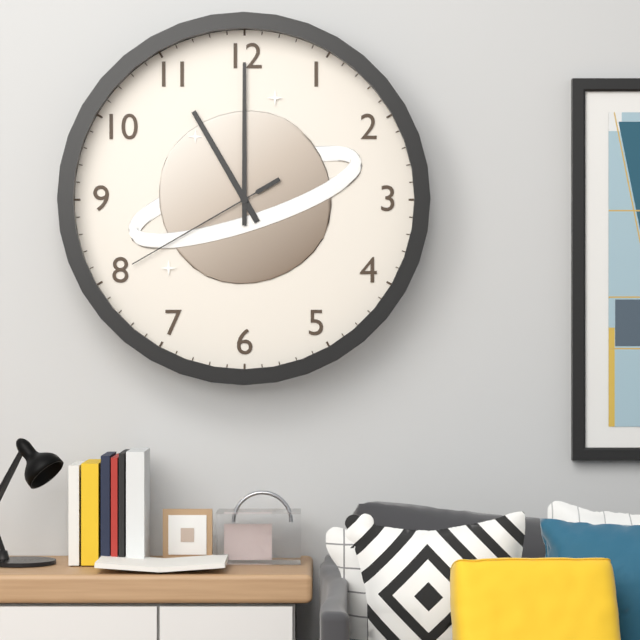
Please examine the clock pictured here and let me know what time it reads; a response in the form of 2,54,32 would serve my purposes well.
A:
11,00,40
